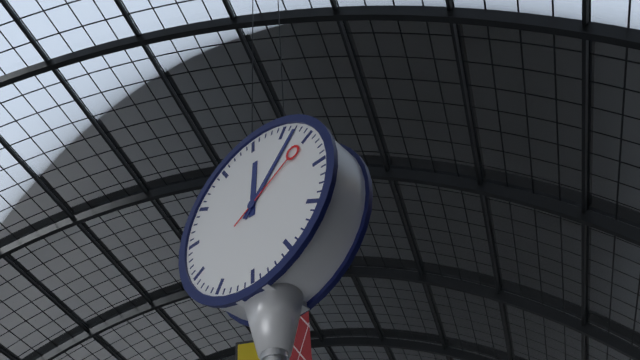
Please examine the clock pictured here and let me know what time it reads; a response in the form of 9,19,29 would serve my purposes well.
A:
12,07,10
